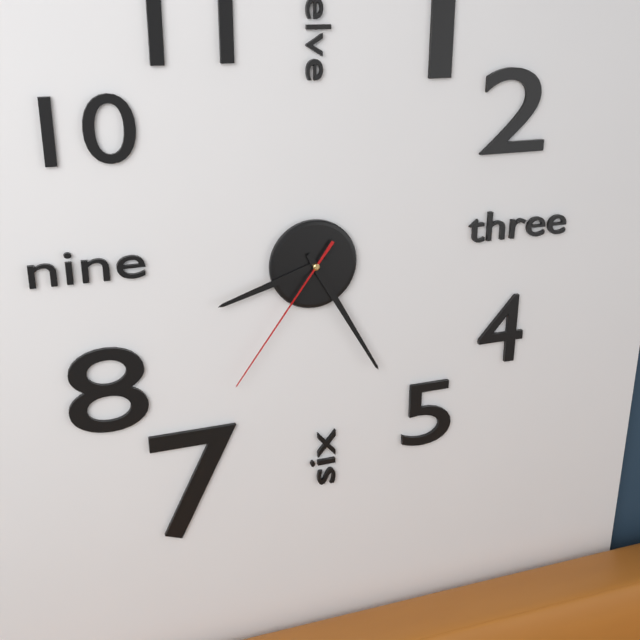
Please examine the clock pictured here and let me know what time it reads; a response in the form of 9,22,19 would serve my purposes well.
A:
8,25,36
